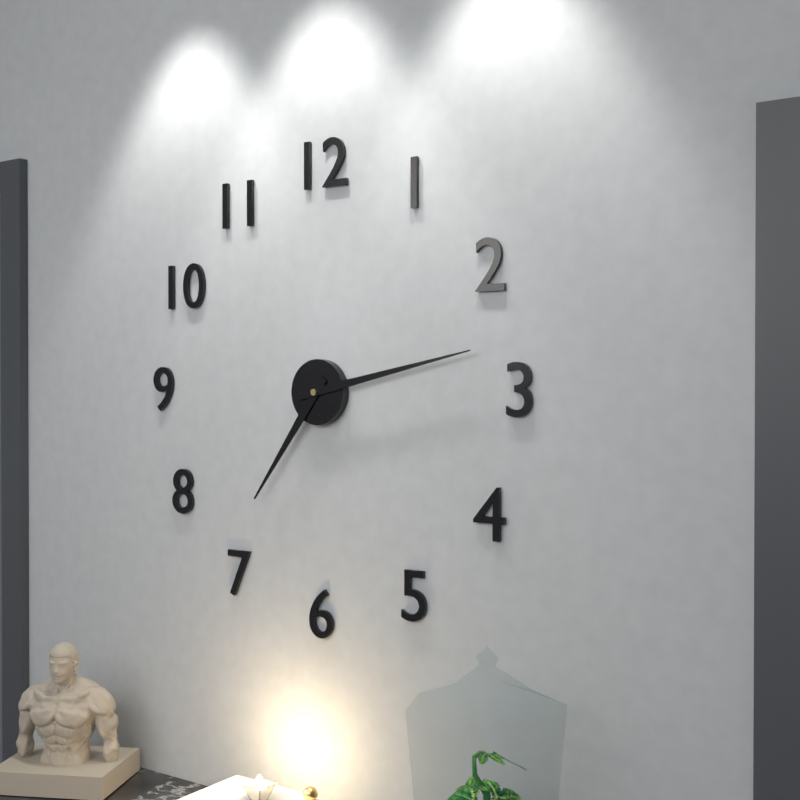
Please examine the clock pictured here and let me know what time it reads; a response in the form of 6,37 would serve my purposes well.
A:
7,13
